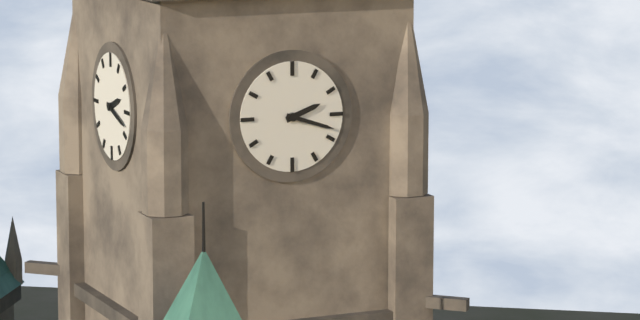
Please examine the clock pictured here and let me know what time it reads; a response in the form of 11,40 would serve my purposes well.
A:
2,18
